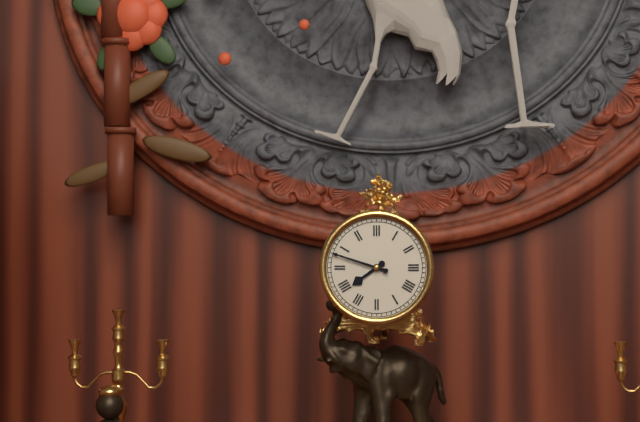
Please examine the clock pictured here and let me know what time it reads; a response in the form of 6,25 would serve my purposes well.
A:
7,48
